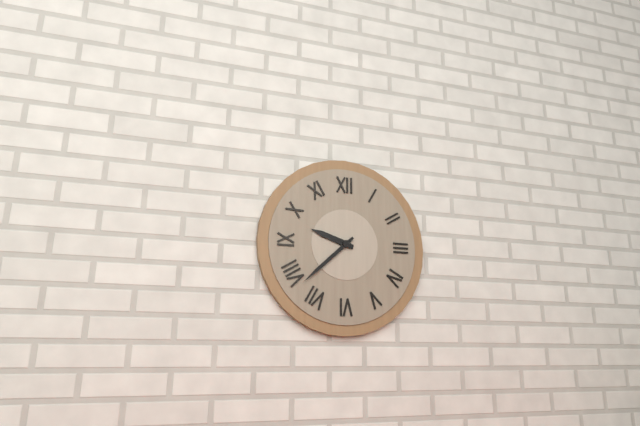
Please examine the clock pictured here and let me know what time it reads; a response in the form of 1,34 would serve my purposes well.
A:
9,38
